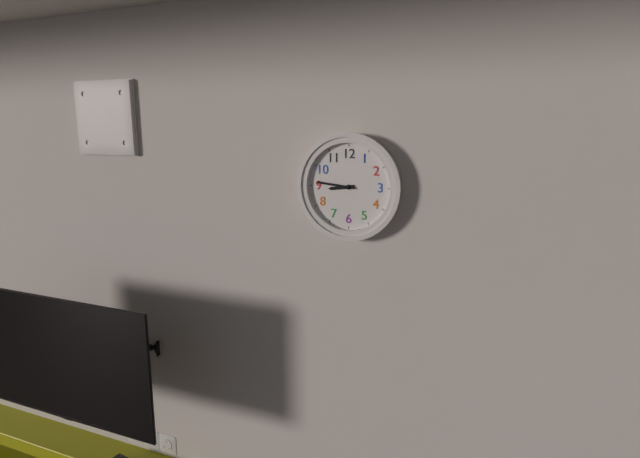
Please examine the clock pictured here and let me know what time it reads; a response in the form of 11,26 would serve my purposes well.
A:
8,46
